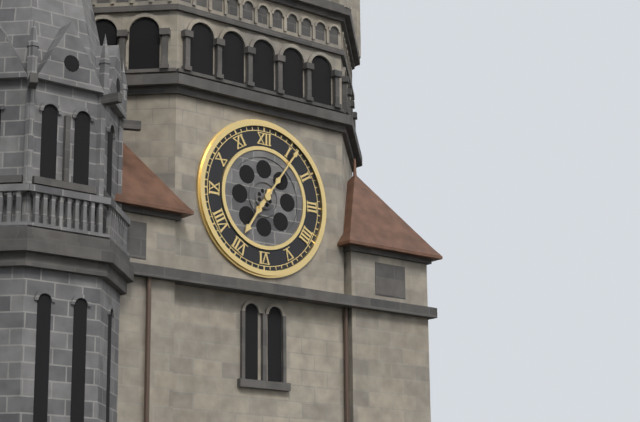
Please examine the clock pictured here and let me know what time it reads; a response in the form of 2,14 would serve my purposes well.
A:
7,06
